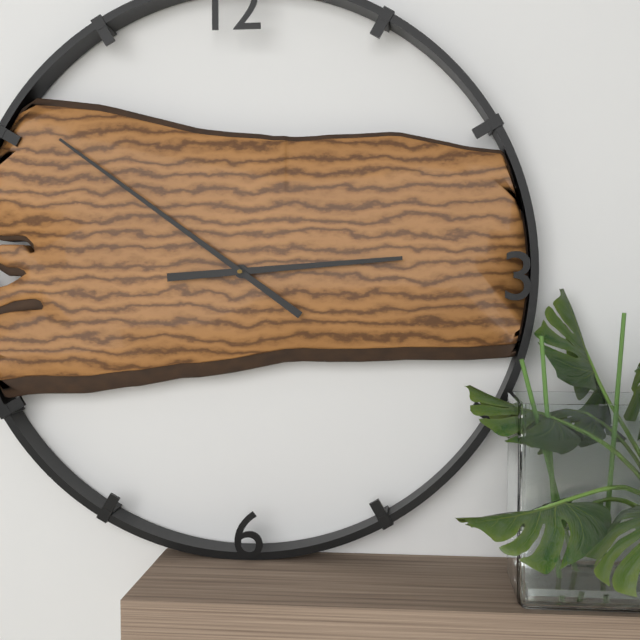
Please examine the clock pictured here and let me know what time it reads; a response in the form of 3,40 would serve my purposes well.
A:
2,51
